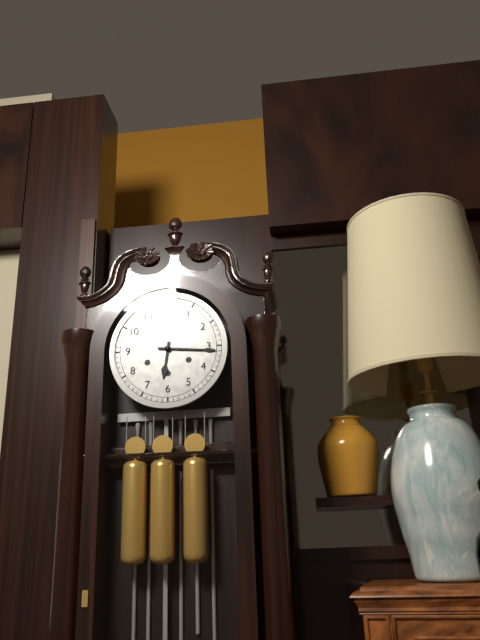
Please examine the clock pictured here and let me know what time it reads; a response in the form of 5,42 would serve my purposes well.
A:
6,16
